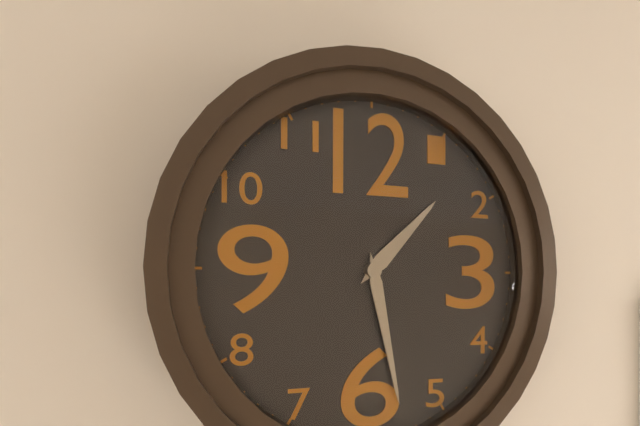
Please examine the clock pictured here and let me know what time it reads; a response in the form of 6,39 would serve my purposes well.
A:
1,28
